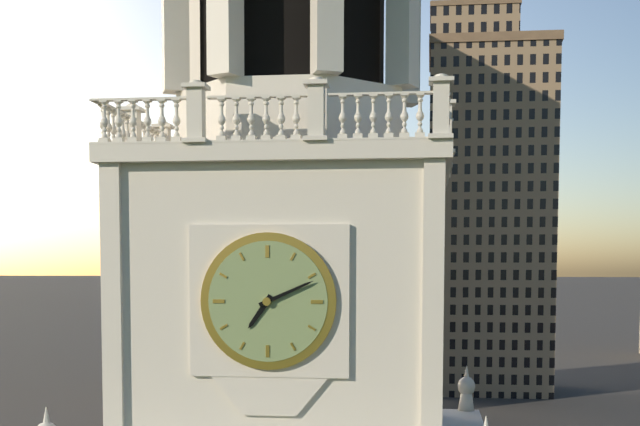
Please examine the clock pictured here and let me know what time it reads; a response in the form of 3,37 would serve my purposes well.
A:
7,11
